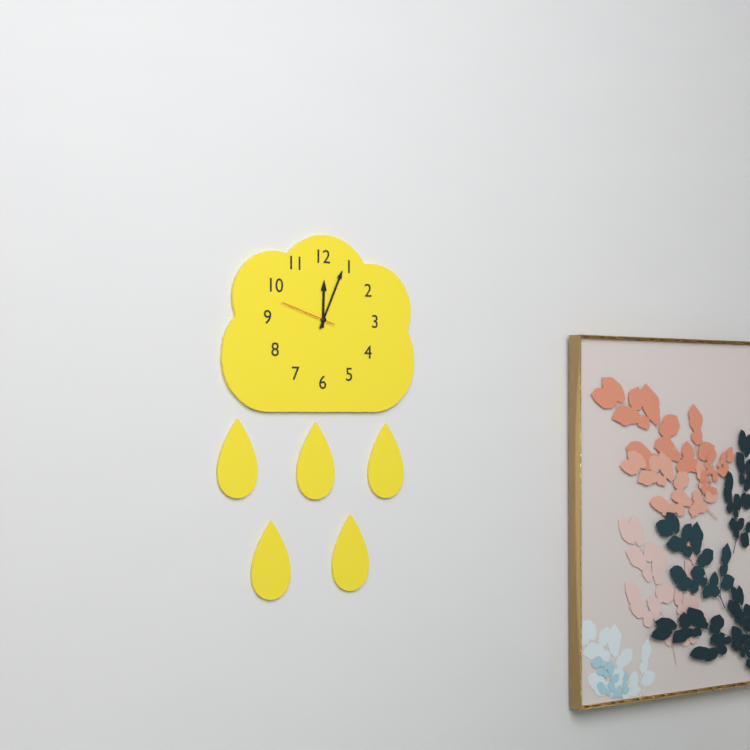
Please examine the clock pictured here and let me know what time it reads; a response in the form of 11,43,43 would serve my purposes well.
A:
12,04,48
